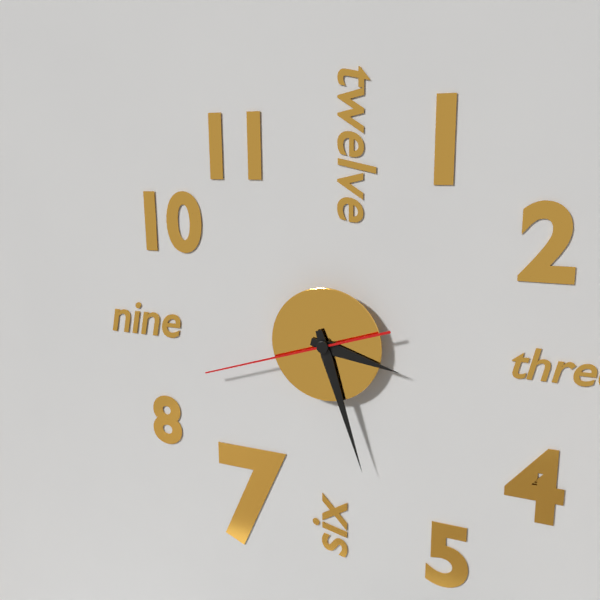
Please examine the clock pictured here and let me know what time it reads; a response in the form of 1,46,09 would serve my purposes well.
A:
3,27,42
